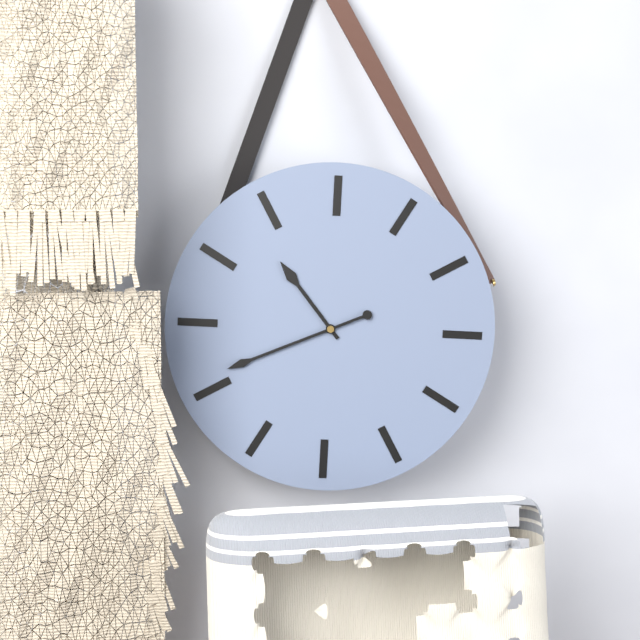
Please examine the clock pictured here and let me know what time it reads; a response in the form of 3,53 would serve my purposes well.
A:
10,41
